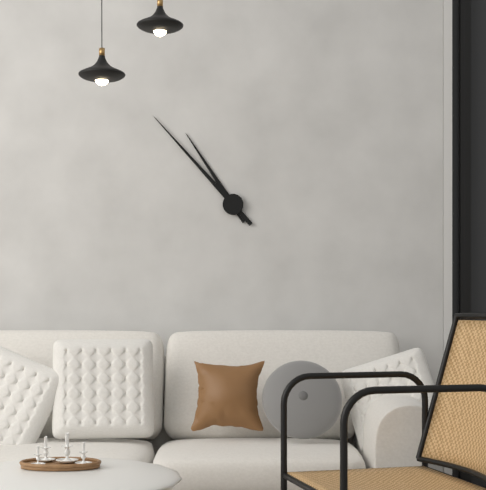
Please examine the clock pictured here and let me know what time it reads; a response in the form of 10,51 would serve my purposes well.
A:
10,53
